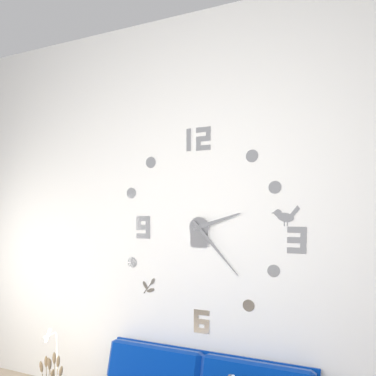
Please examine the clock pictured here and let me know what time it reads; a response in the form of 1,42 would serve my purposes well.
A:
2,23
